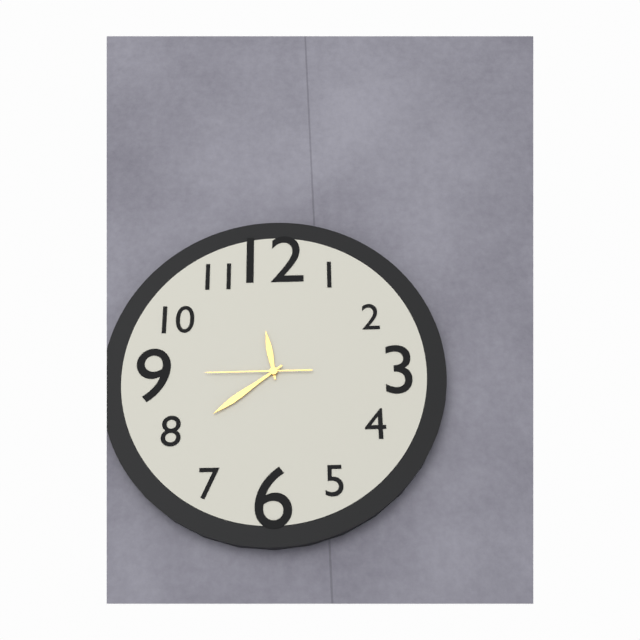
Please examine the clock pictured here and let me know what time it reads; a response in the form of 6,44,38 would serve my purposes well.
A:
11,39,45
